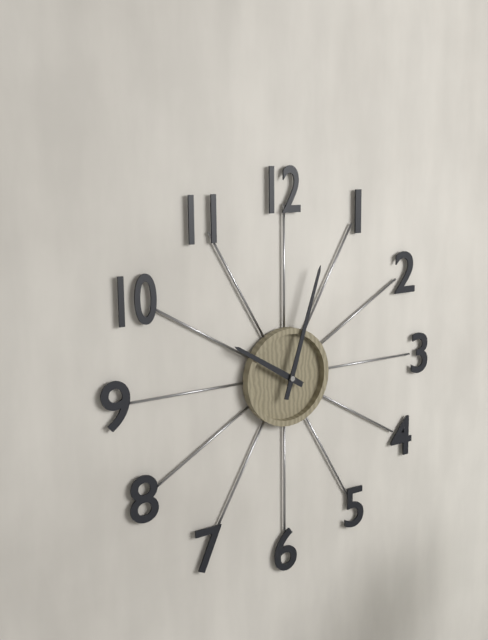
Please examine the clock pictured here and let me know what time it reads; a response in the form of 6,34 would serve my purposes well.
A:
10,03
